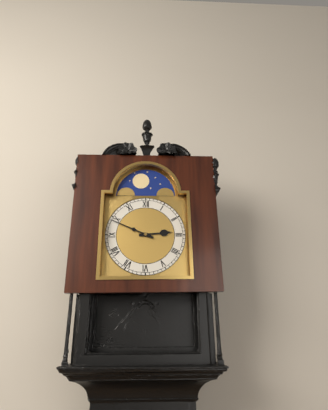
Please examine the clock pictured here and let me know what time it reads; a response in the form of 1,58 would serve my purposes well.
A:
2,49
